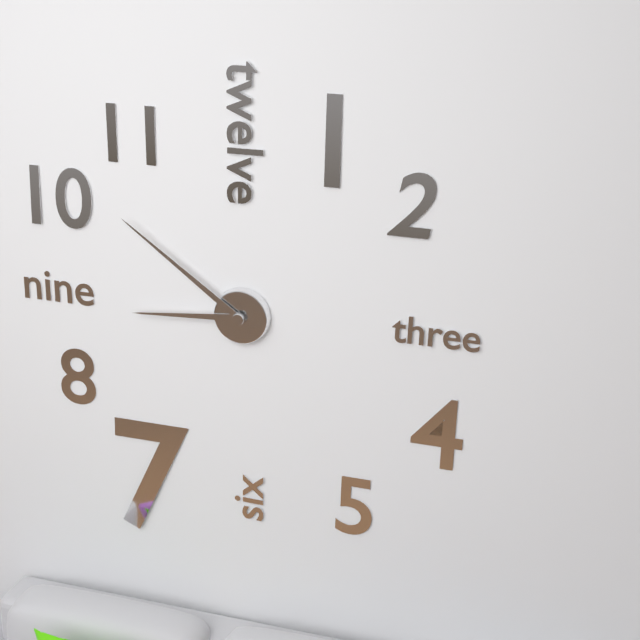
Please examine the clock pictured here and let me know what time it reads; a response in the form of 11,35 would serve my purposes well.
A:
8,51
